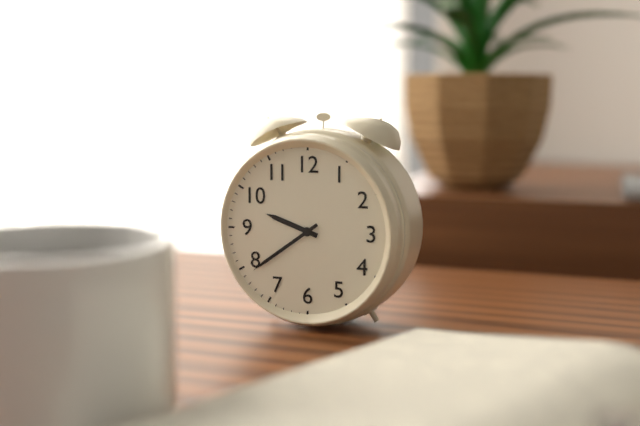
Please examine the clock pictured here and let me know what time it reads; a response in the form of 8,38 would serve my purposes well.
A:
9,39
